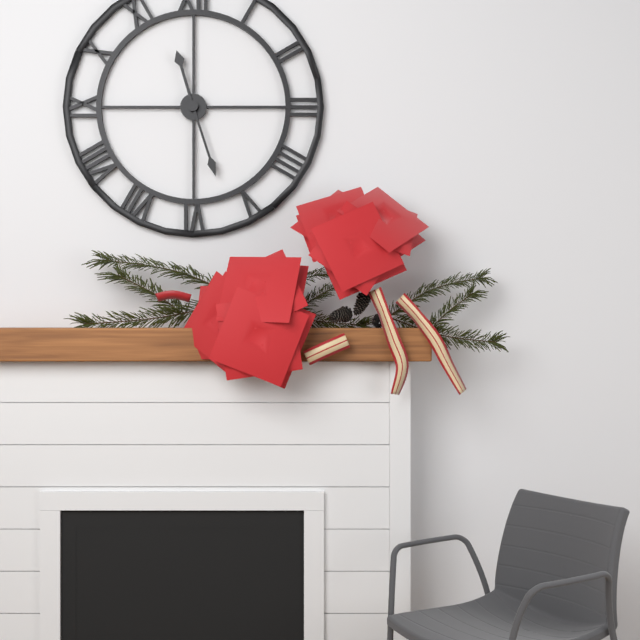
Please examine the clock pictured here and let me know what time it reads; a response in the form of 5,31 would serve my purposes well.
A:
11,27
